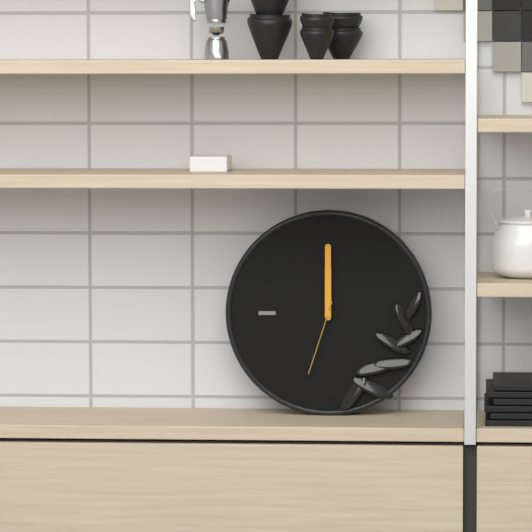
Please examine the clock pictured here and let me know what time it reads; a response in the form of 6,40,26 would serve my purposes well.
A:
12,00,33
